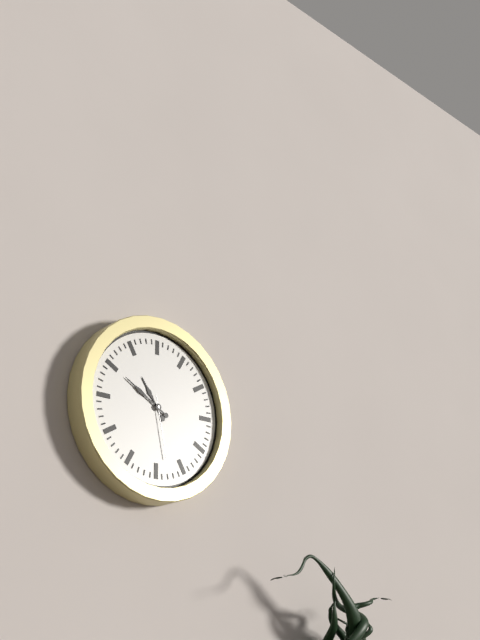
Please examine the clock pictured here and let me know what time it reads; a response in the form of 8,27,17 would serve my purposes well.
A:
10,50,28
